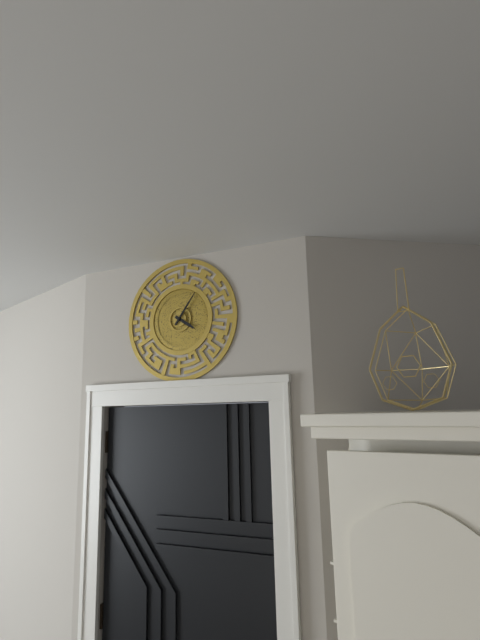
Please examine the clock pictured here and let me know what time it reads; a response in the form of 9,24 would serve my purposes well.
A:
4,06
